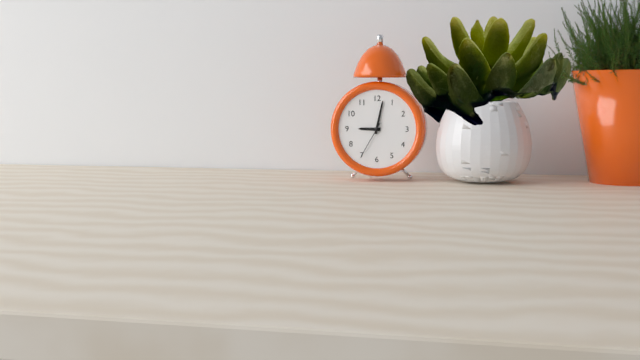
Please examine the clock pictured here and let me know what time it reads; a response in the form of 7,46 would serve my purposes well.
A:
9,02
